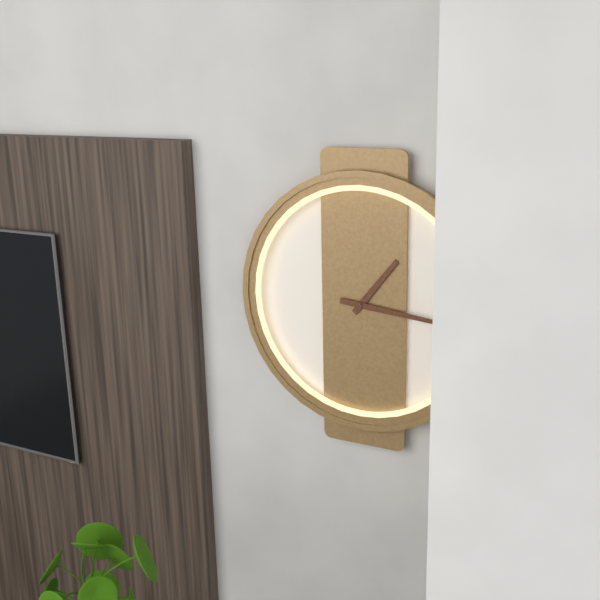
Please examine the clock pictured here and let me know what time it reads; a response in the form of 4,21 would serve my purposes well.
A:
1,16
